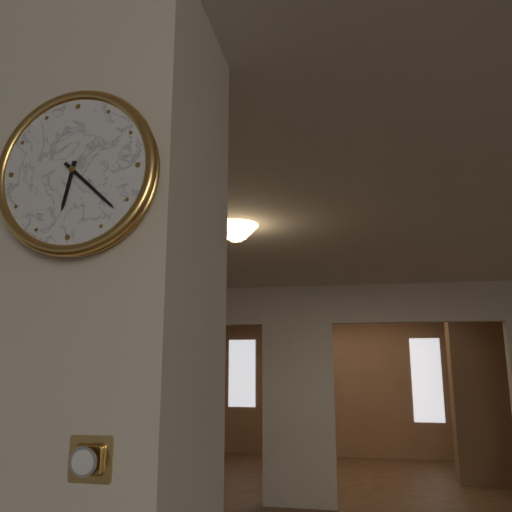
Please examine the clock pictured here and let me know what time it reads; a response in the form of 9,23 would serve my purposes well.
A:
6,22
